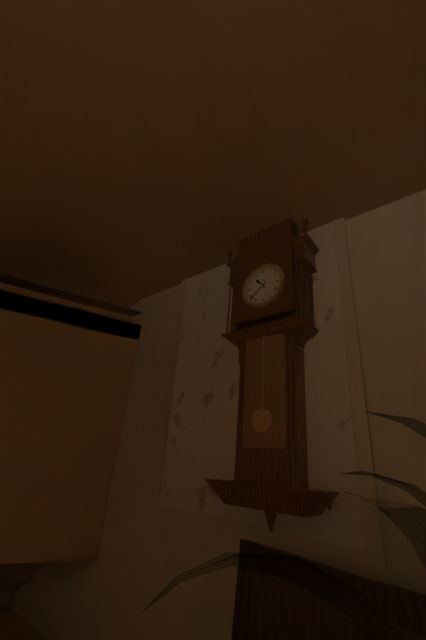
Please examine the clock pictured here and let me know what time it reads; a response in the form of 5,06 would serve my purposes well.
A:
10,38
